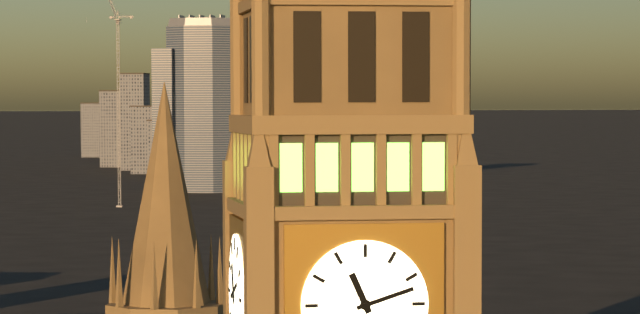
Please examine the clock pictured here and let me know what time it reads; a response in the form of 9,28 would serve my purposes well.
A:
11,12
